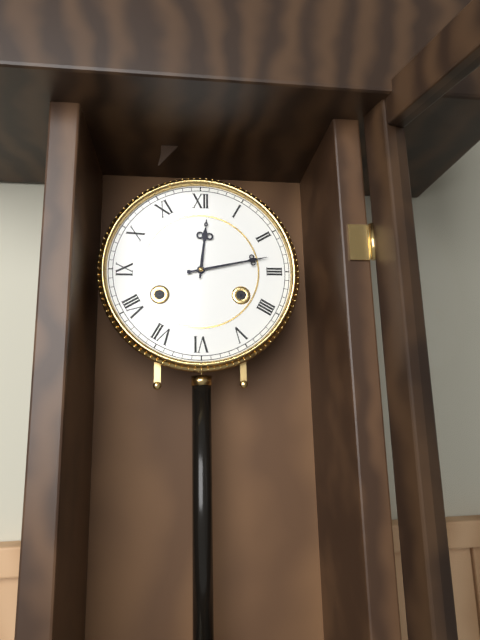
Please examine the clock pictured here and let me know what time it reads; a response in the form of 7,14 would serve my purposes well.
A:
12,13
